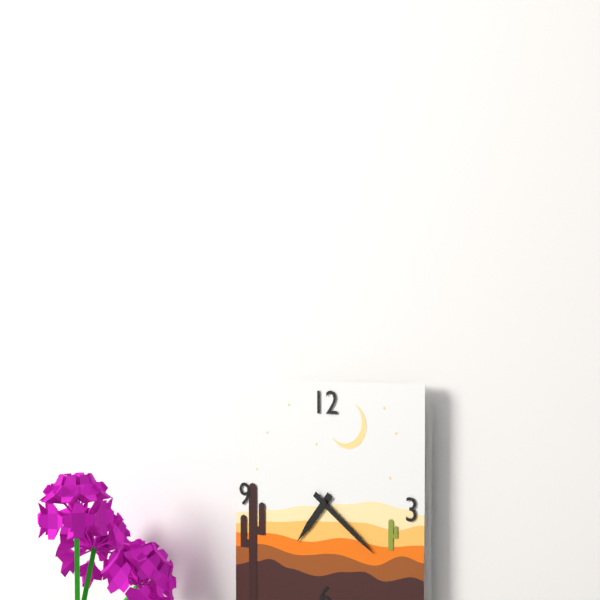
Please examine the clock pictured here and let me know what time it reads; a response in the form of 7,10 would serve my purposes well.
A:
7,21
